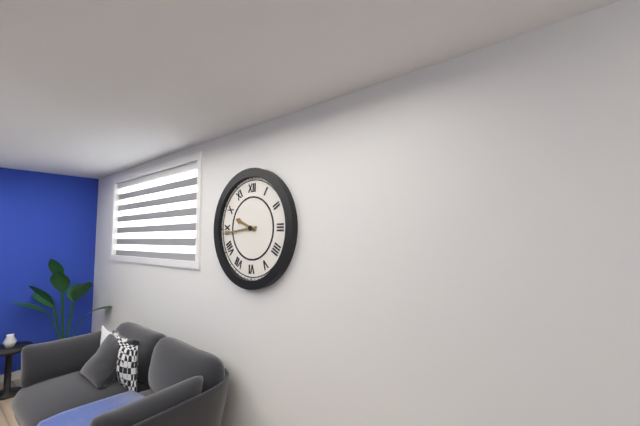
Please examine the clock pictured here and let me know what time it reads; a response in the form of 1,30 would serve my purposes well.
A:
9,44
